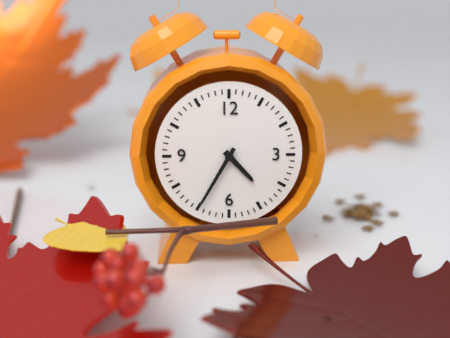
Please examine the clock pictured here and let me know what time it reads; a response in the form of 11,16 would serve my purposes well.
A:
4,35
